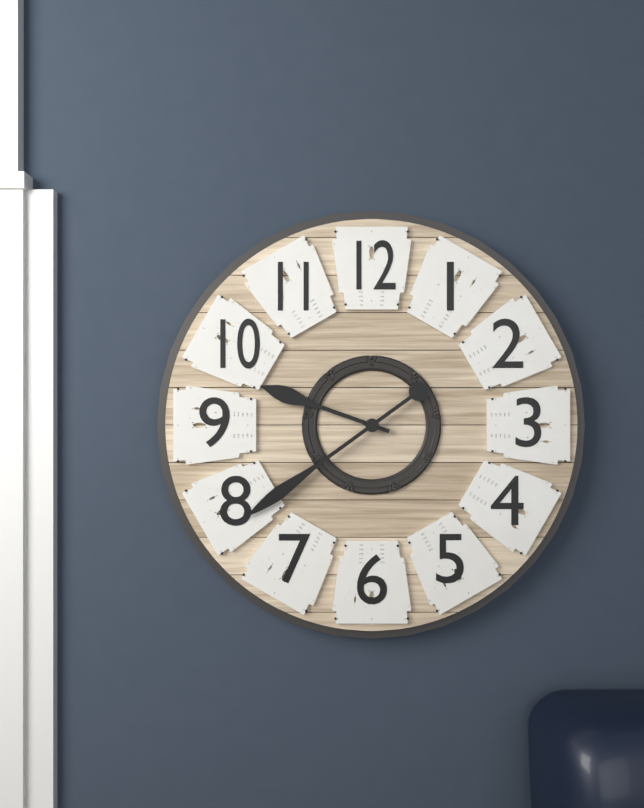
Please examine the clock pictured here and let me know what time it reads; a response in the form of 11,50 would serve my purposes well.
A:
9,39
